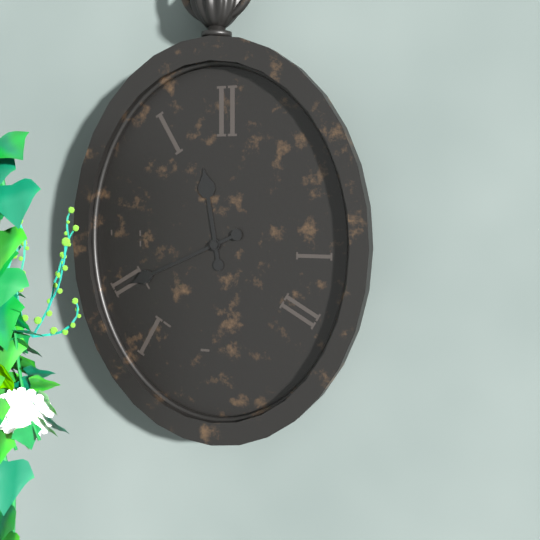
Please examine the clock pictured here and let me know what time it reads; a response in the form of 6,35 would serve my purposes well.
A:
11,41
